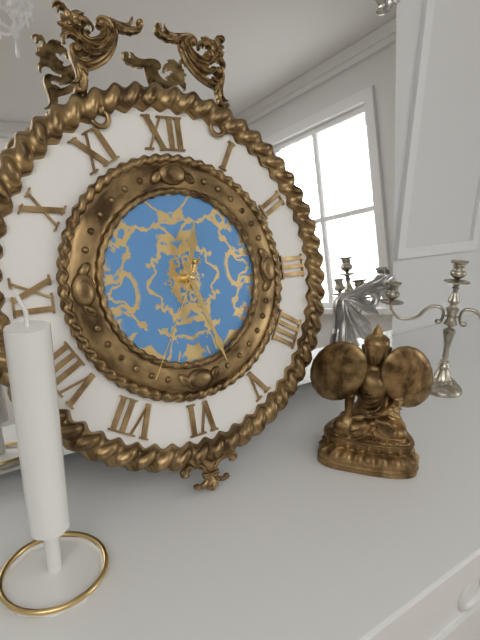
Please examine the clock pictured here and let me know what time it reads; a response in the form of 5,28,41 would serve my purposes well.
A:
12,27,35
